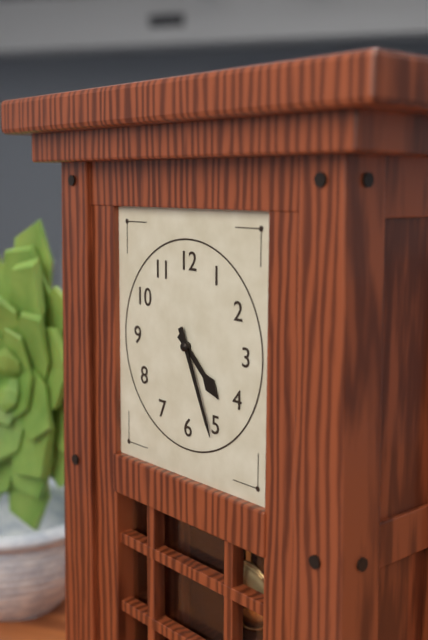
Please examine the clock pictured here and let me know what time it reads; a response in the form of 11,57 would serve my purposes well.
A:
4,26
